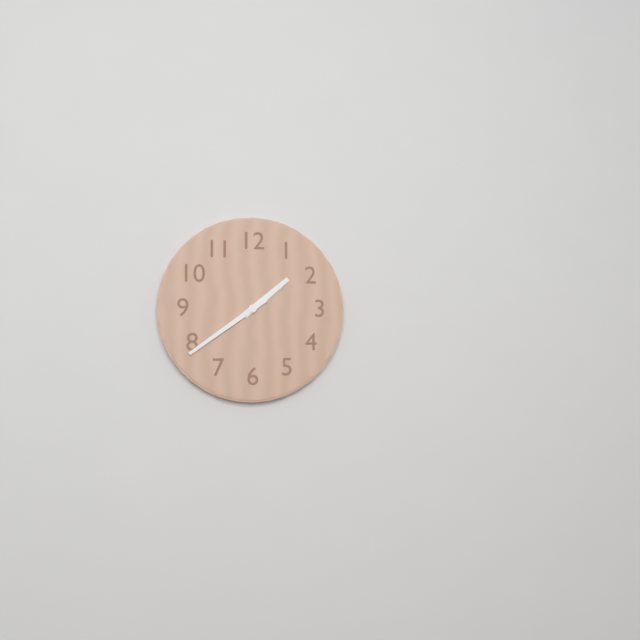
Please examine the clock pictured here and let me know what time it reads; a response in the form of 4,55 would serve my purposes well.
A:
1,39
